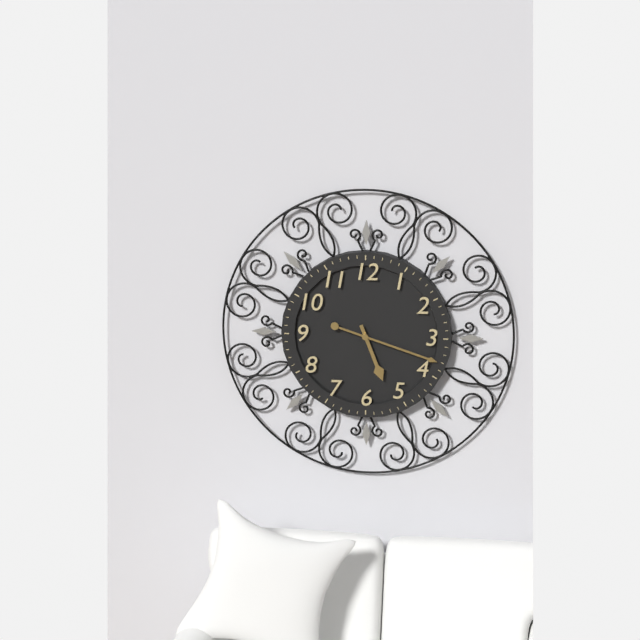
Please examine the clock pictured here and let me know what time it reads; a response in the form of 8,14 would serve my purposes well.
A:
5,18
